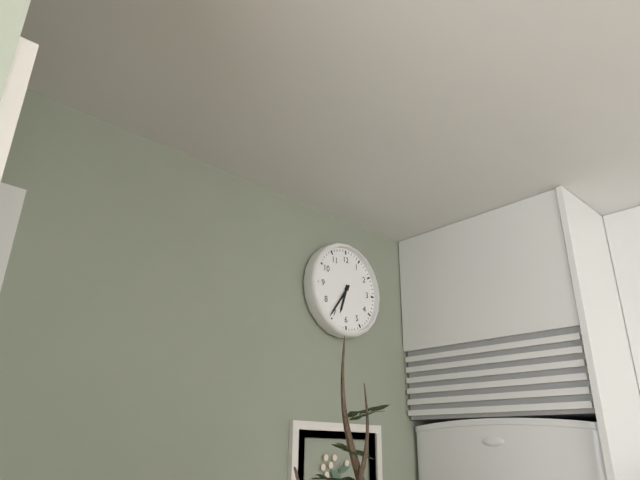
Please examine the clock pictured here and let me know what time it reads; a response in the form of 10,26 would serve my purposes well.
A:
6,36
